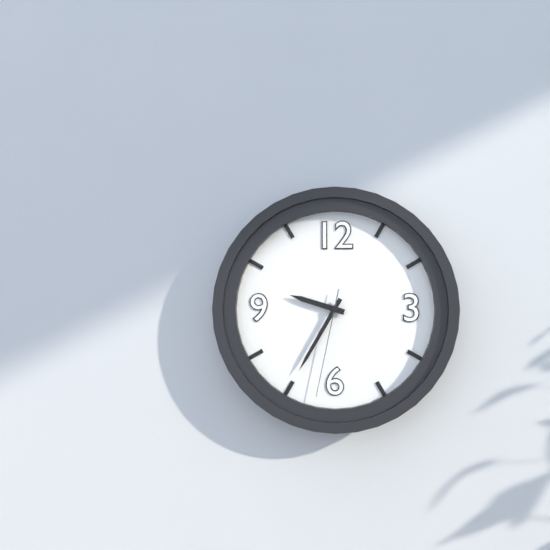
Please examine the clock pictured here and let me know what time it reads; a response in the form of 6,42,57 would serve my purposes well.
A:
9,35,32
